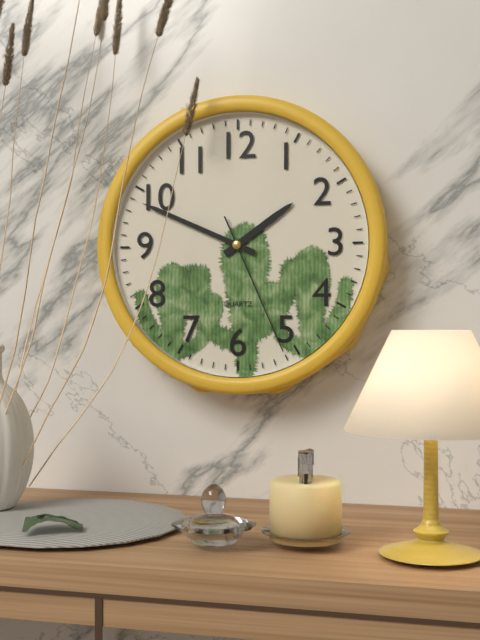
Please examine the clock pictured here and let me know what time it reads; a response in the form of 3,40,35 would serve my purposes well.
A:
1,49,26
